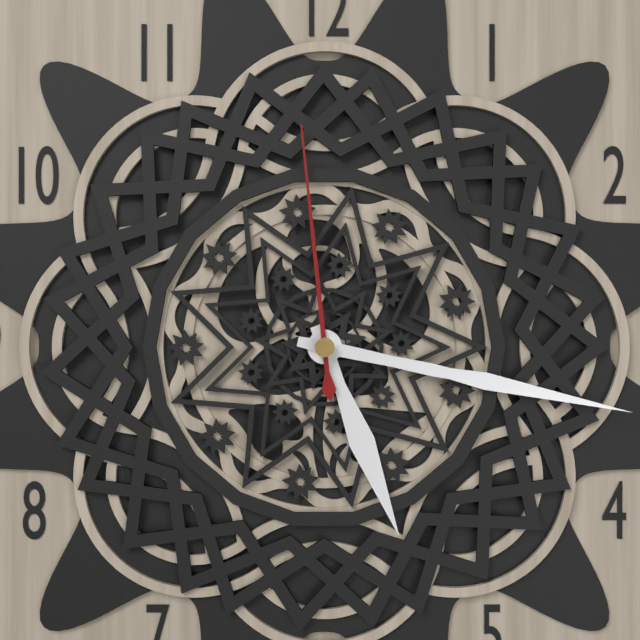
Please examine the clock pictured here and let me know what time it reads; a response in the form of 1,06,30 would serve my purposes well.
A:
5,17,59
